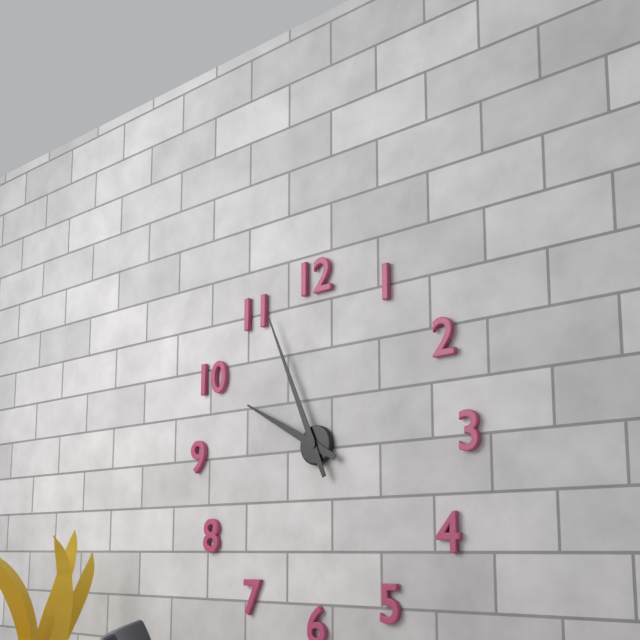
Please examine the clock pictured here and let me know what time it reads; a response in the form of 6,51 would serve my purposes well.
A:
9,56
